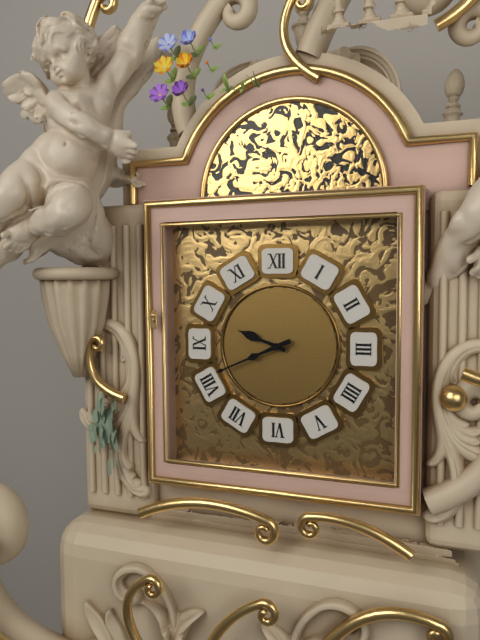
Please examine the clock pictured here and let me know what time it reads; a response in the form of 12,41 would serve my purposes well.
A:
9,41
